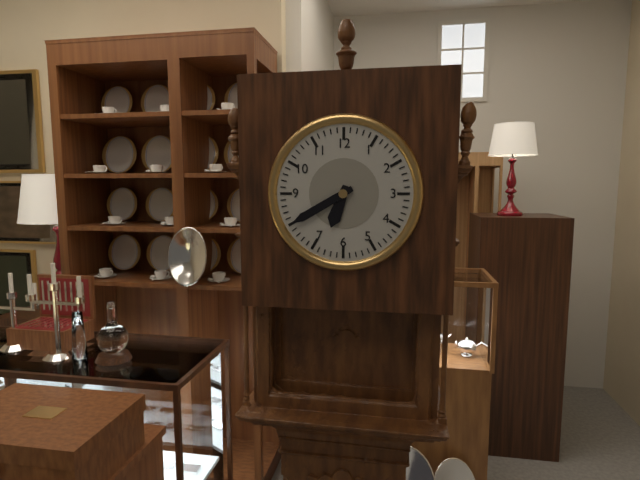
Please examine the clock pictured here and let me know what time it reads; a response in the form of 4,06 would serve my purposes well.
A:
6,40
